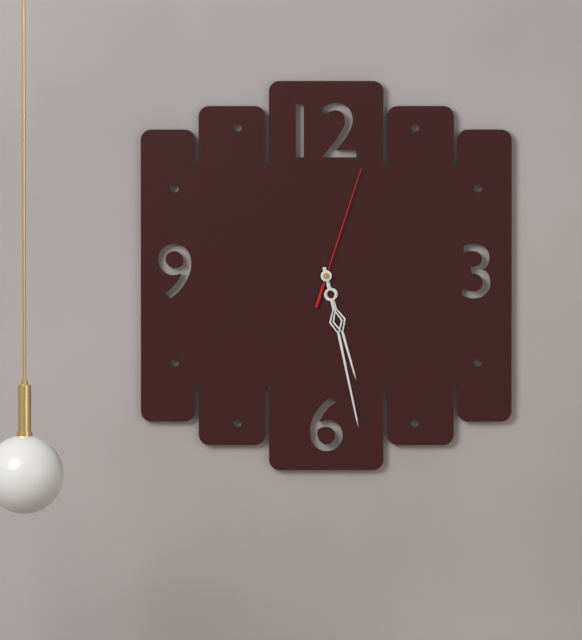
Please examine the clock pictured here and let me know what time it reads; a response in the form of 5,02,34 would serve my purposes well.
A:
5,28,03
